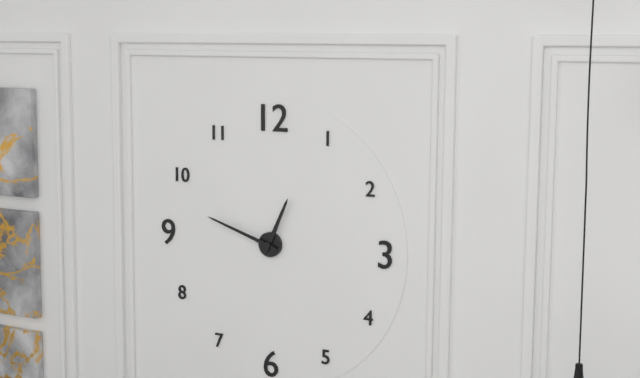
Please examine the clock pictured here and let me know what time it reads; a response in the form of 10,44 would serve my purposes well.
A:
12,48
